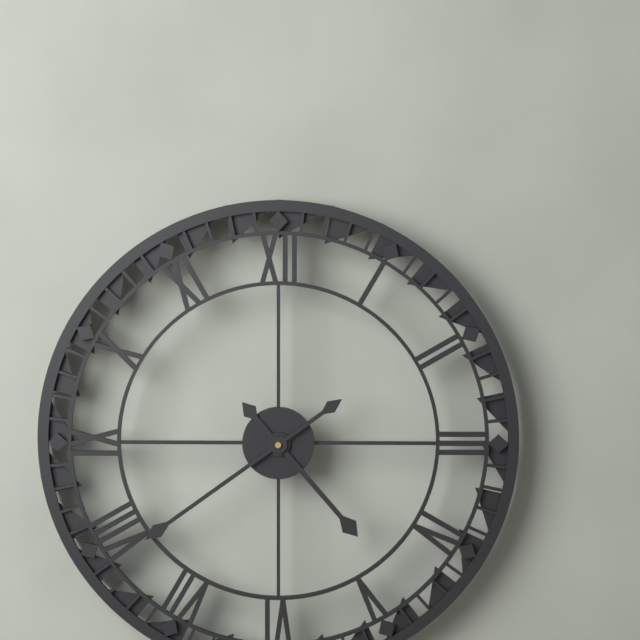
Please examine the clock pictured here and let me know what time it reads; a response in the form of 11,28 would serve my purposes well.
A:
4,39
